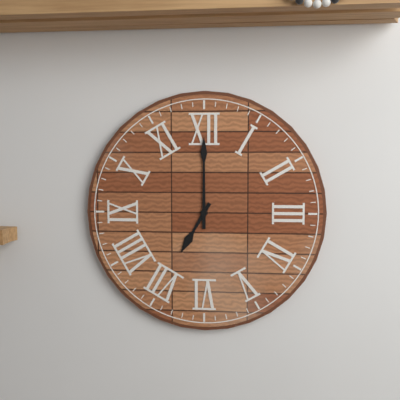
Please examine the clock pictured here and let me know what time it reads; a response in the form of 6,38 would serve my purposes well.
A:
7,00
